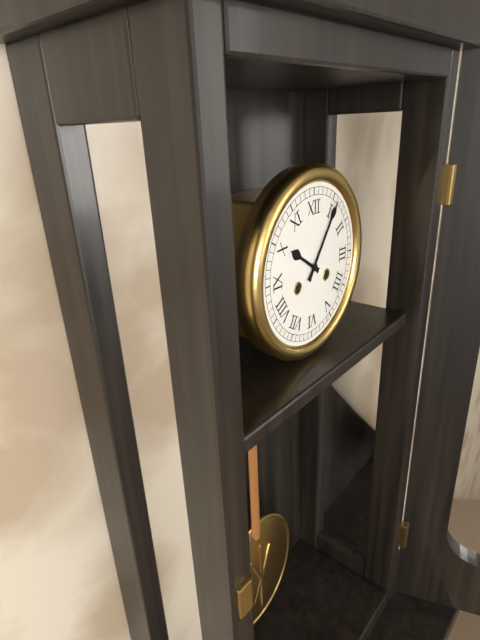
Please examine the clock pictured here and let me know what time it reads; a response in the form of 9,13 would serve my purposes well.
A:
10,06
